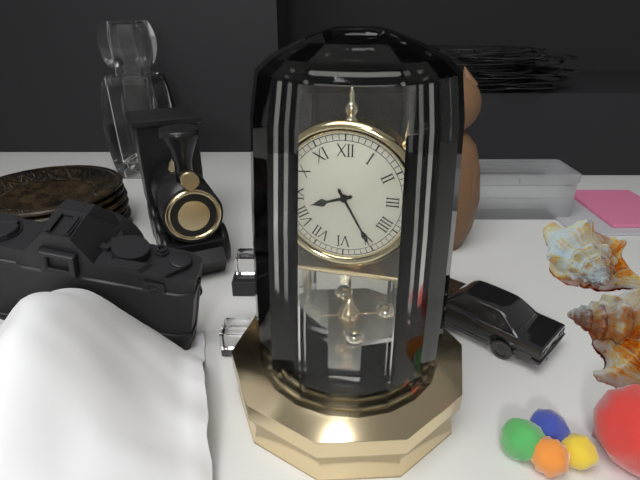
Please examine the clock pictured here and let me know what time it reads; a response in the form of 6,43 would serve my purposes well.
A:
8,25
